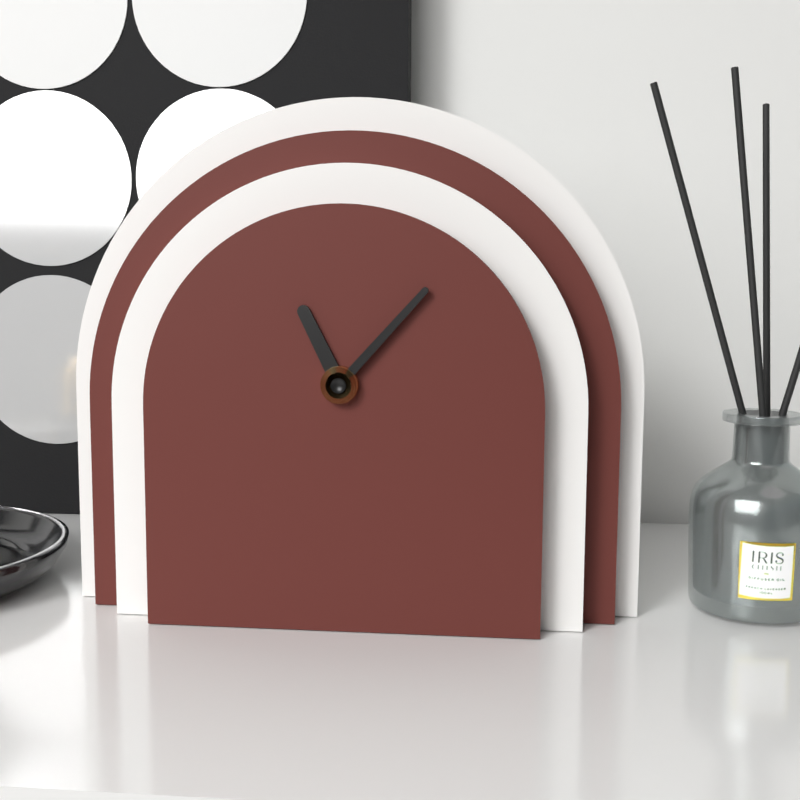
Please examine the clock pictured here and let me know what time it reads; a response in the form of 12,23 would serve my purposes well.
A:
11,07
